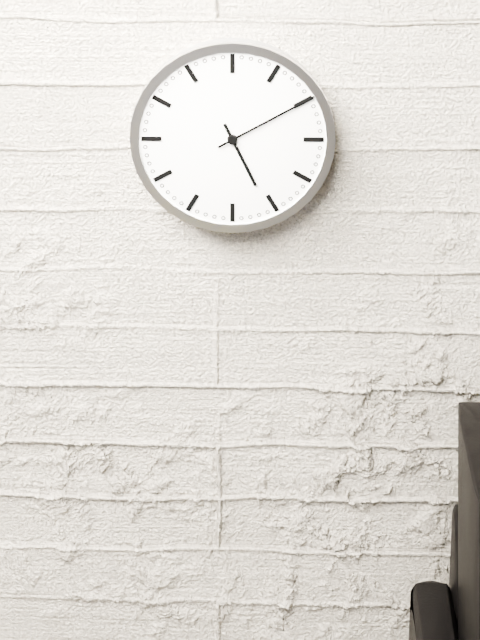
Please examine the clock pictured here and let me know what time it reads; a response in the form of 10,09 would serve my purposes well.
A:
5,10
